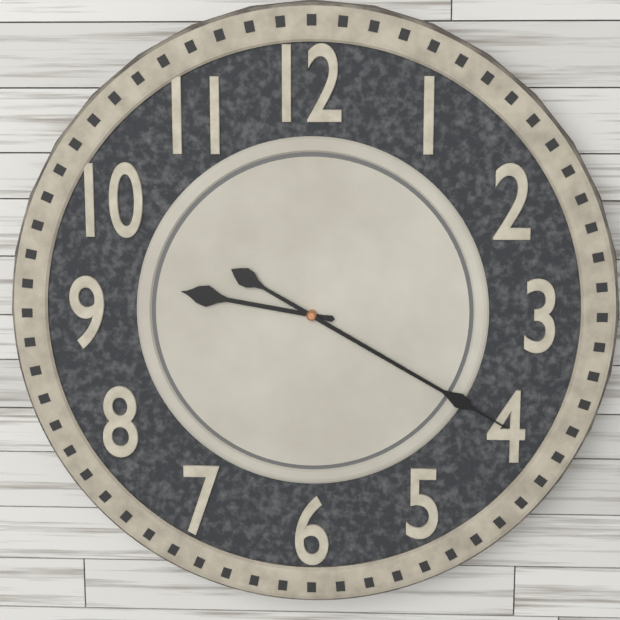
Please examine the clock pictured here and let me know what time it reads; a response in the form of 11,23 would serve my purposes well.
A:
9,20
